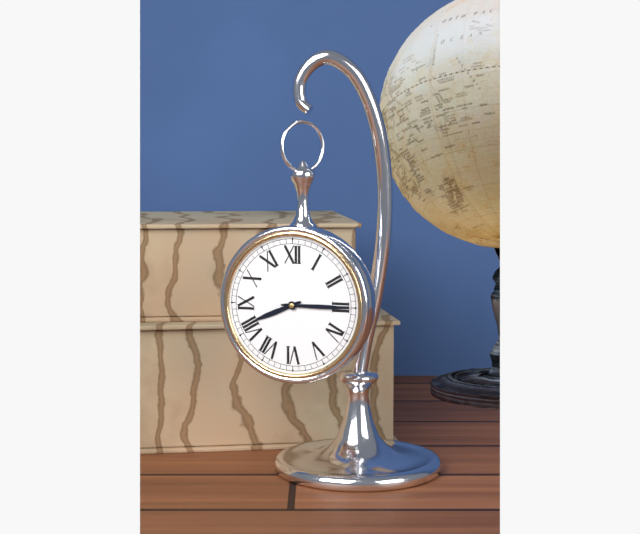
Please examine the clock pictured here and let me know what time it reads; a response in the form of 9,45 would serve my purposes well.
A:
8,15
